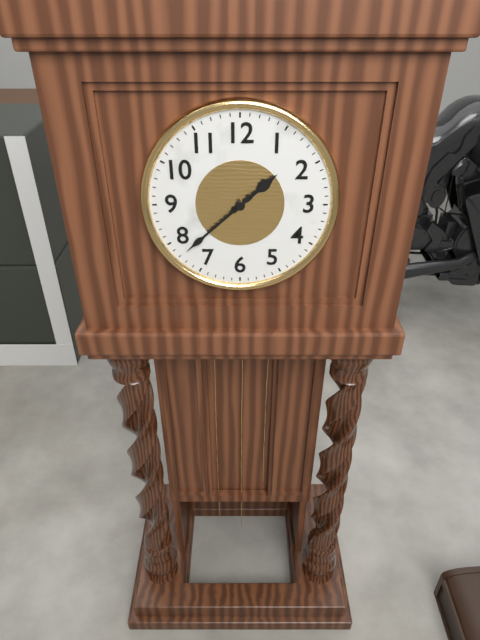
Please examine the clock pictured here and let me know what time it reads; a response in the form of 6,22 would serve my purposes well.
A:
1,38
